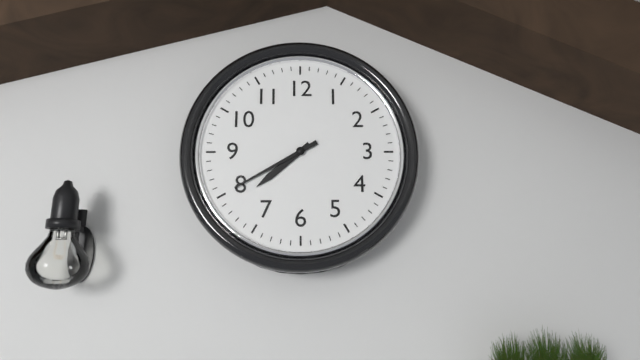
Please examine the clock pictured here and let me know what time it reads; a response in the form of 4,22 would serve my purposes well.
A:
7,40
